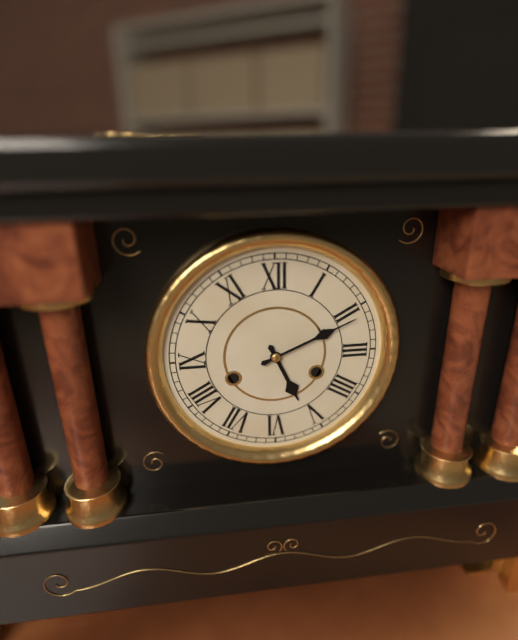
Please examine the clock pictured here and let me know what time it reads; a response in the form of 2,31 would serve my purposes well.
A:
5,11
